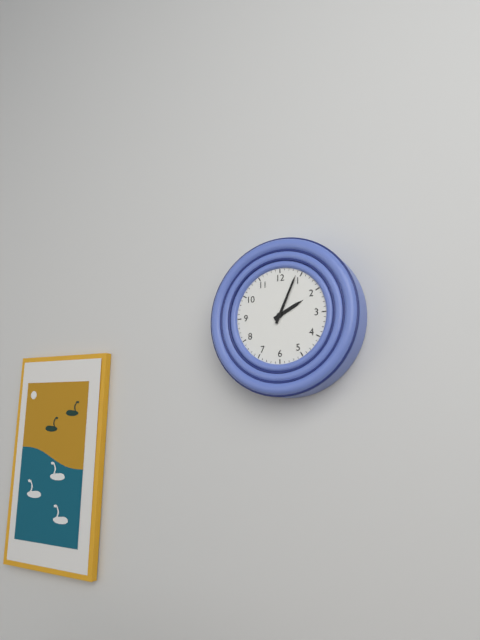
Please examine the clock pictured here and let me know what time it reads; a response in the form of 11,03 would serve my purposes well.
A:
2,04
